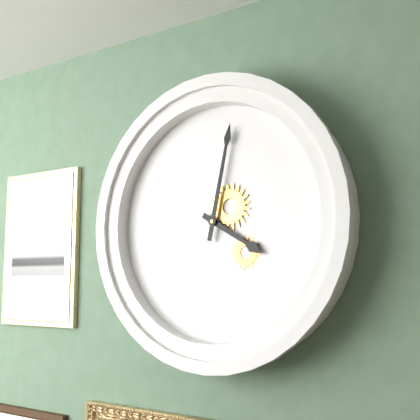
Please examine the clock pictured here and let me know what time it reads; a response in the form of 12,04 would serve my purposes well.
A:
4,02
